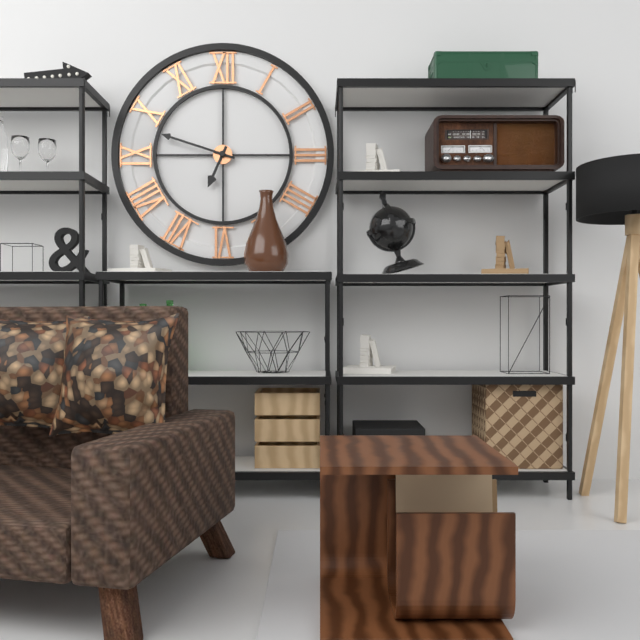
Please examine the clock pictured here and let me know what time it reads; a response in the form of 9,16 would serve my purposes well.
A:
6,48
